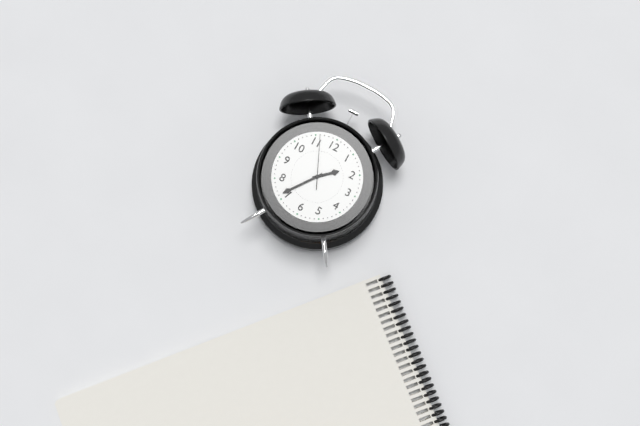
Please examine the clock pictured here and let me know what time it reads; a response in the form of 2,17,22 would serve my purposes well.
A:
1,36,56
